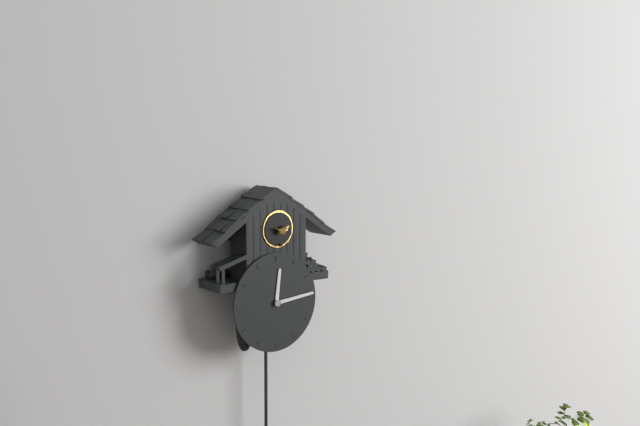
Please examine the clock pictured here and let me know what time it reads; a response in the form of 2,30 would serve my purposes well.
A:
12,14
